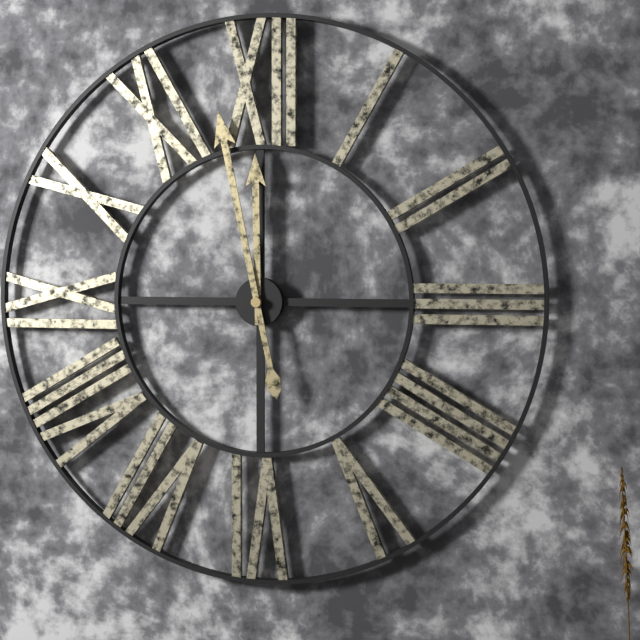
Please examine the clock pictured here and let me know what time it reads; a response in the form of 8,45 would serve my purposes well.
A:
11,58
